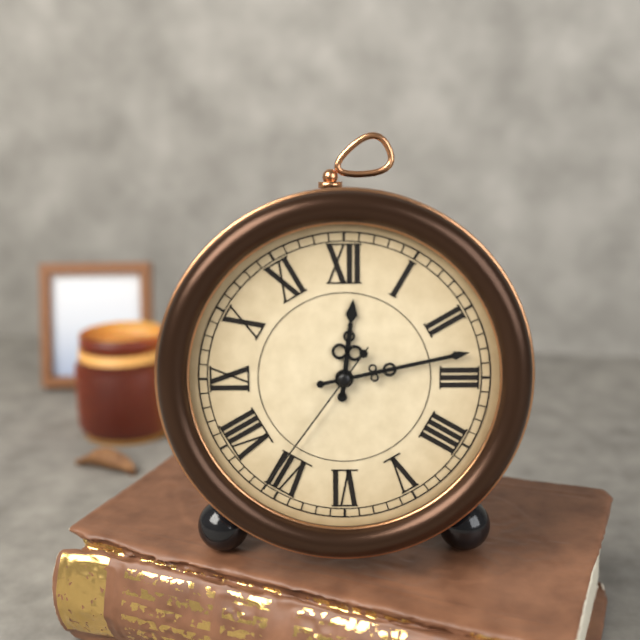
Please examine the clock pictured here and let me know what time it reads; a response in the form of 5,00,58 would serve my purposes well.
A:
12,13,36
